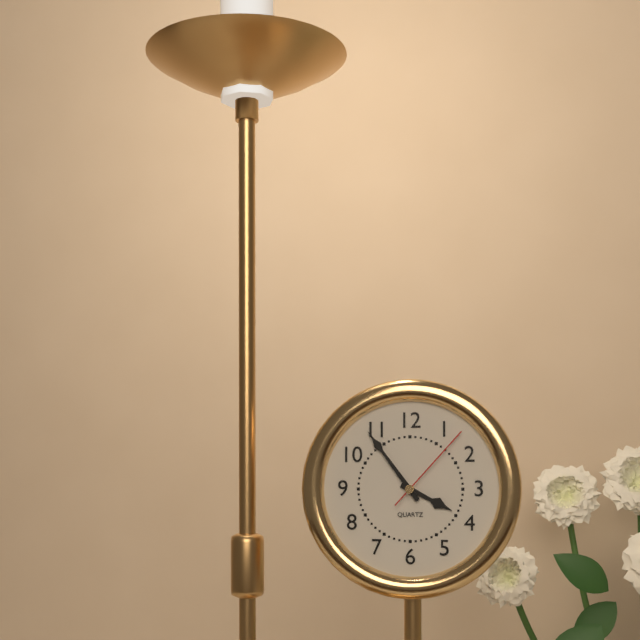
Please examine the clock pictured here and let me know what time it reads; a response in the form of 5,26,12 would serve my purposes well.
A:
3,54,07
